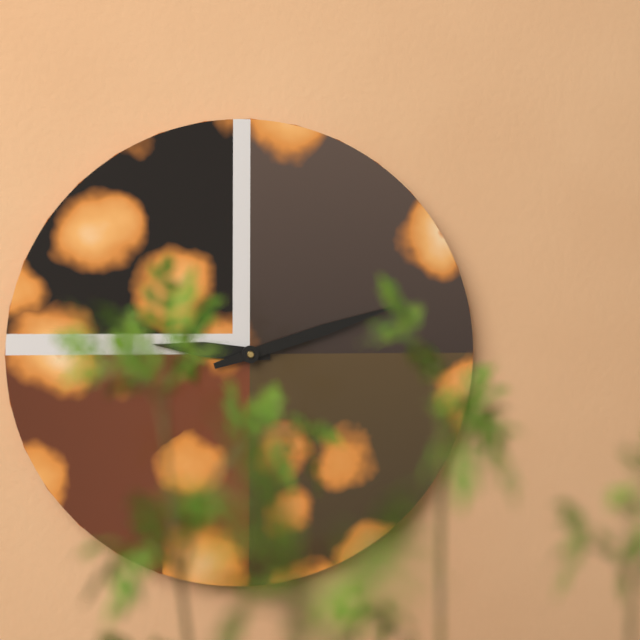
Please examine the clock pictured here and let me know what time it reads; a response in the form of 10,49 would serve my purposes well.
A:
9,12
